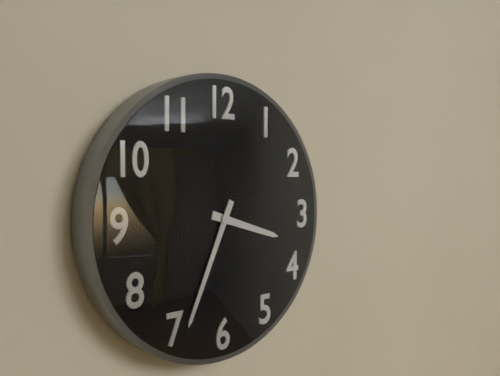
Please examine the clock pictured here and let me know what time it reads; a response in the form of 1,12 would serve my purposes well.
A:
3,34
